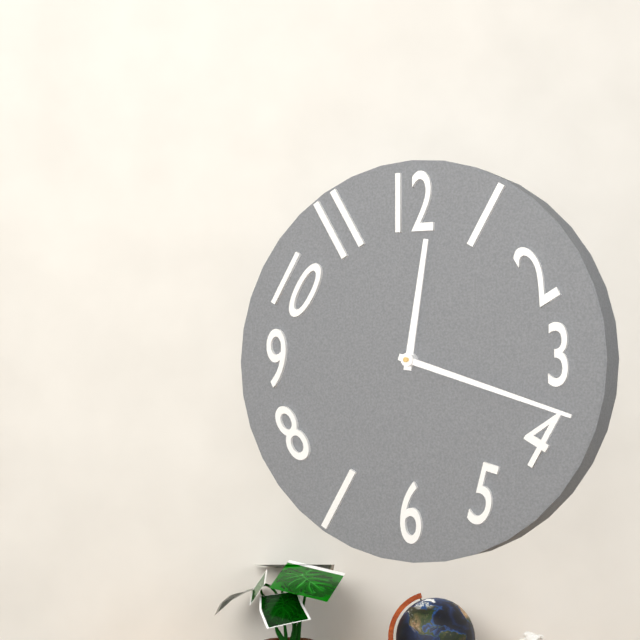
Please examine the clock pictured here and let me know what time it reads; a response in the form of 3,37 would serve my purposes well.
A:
12,18
